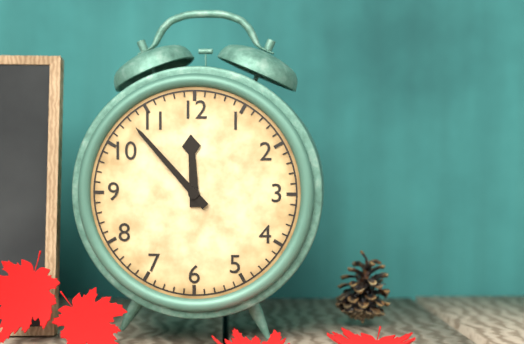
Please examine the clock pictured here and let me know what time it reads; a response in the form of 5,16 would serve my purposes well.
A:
11,53
